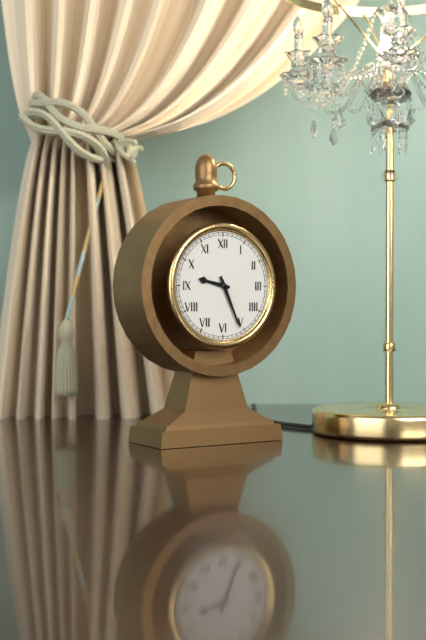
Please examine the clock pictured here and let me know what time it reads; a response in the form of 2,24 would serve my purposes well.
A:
9,26
